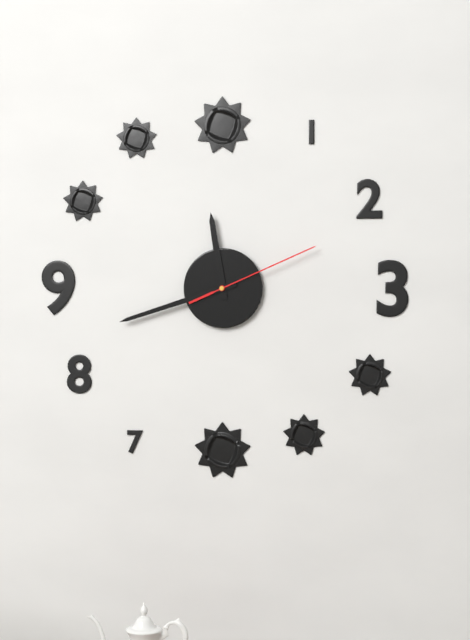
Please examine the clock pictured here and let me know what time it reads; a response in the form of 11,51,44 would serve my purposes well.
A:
11,42,11
